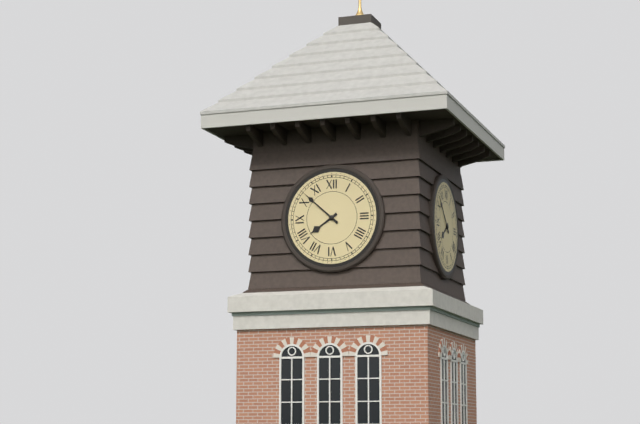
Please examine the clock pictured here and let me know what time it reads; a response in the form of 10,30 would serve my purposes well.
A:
7,52
